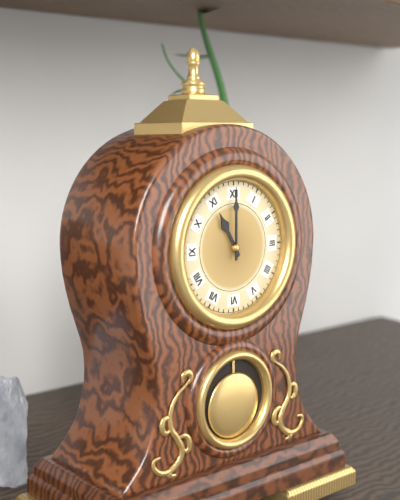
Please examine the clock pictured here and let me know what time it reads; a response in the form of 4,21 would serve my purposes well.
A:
11,00
